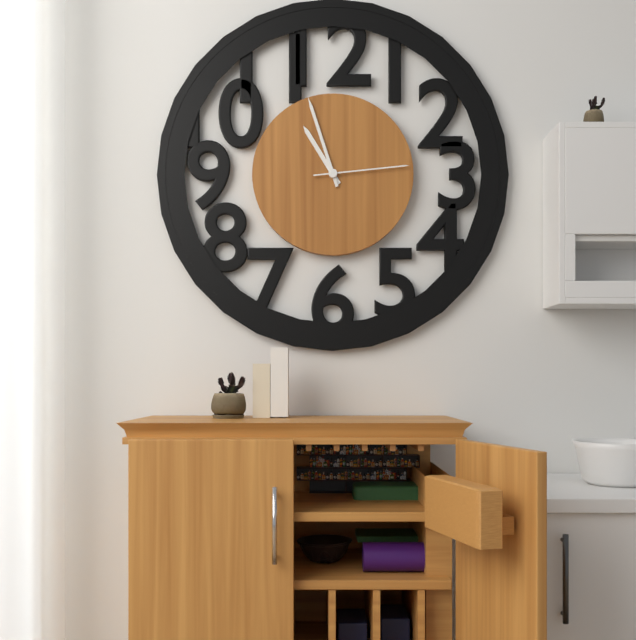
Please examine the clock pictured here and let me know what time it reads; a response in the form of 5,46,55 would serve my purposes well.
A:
10,57,14
